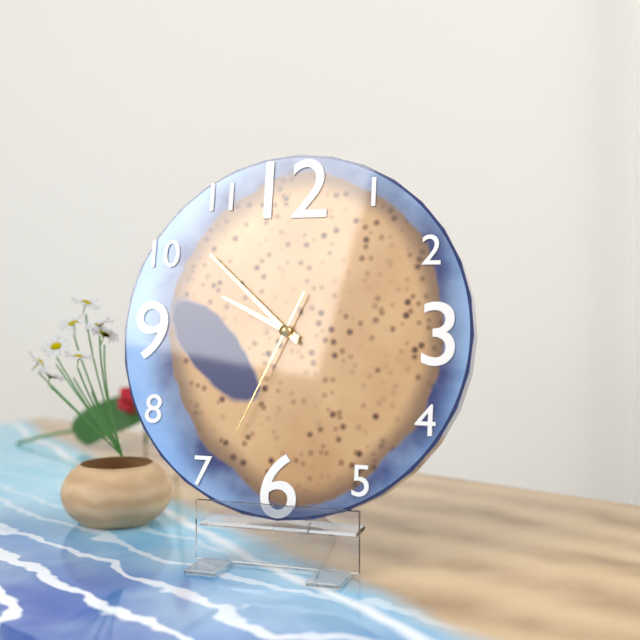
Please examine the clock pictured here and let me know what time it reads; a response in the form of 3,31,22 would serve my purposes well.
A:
9,52,34
